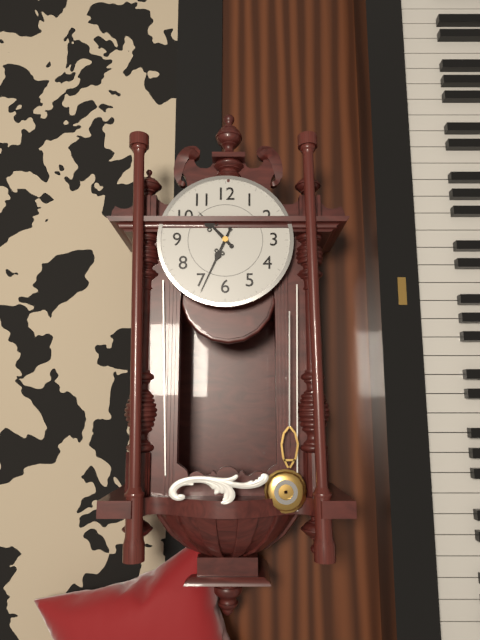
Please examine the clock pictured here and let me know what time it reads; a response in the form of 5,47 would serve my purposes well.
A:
10,34
